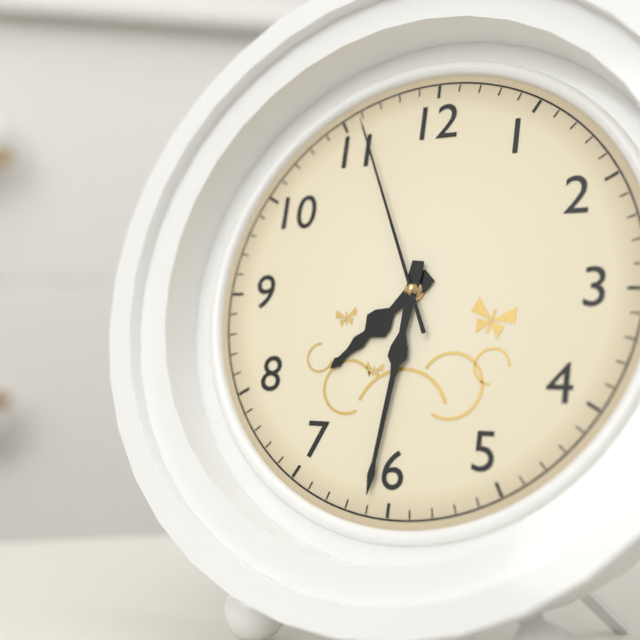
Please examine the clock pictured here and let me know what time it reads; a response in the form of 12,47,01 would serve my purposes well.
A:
7,31,56
